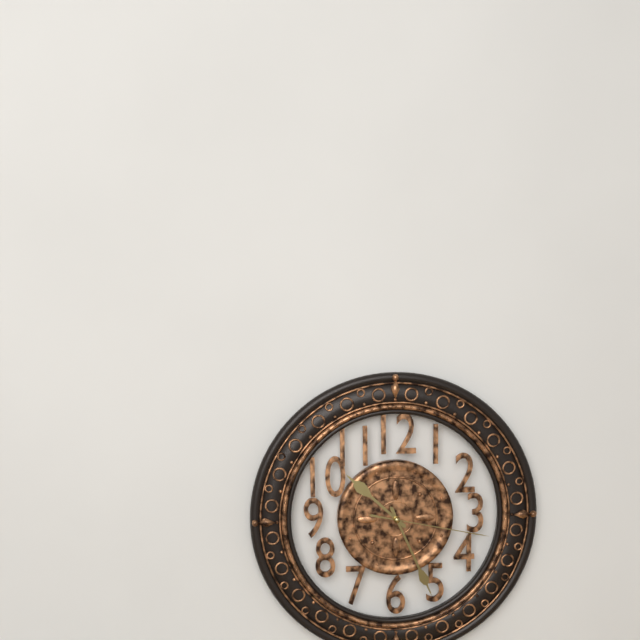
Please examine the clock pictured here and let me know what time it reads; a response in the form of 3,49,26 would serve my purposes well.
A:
10,26,17
